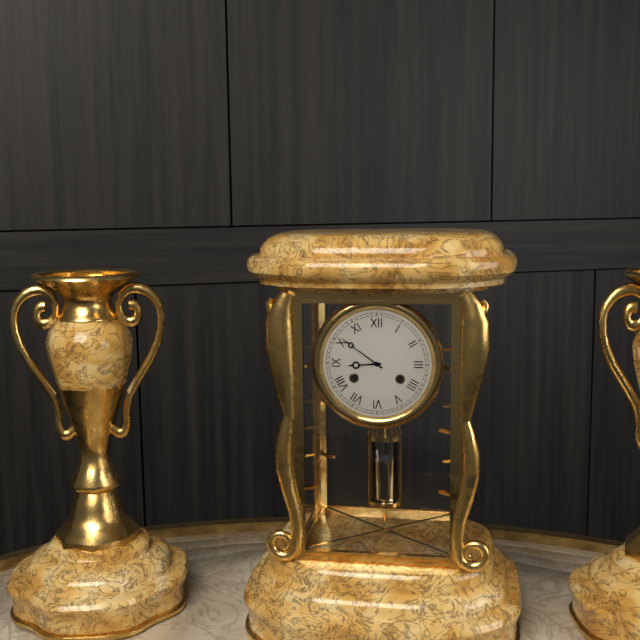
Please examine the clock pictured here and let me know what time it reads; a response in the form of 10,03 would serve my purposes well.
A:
8,51
